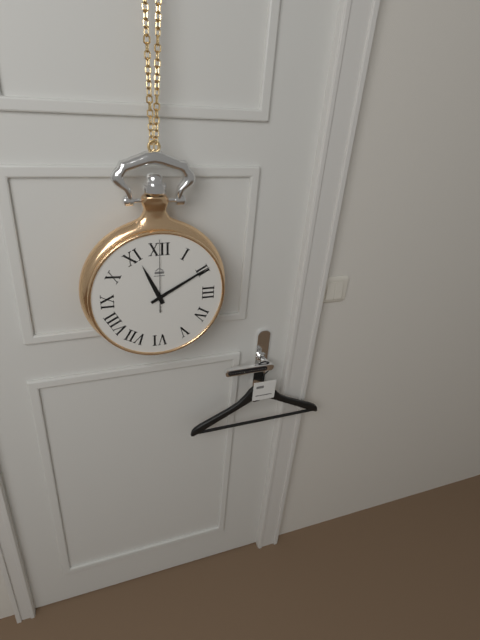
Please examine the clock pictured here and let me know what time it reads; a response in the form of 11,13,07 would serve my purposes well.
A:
11,10,00
